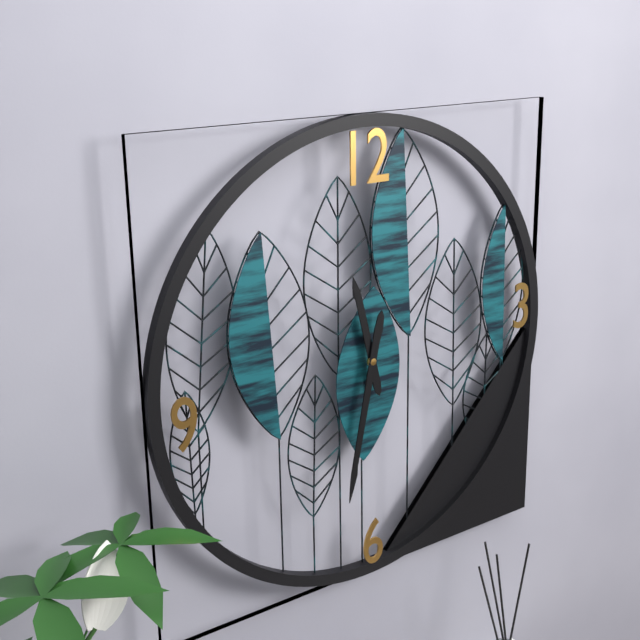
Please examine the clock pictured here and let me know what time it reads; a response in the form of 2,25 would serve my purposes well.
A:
11,32
